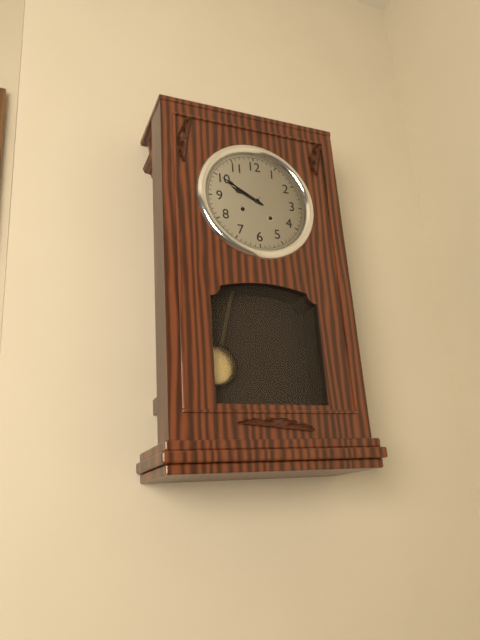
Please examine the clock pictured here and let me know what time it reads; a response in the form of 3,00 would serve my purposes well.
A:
9,50
